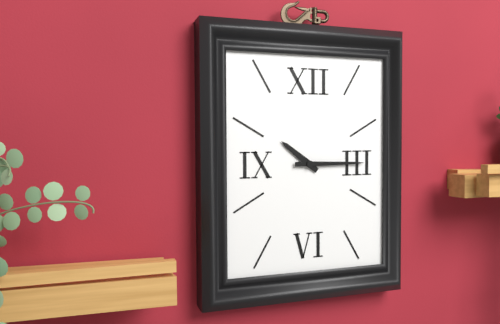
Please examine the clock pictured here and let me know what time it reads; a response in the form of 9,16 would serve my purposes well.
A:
10,15
